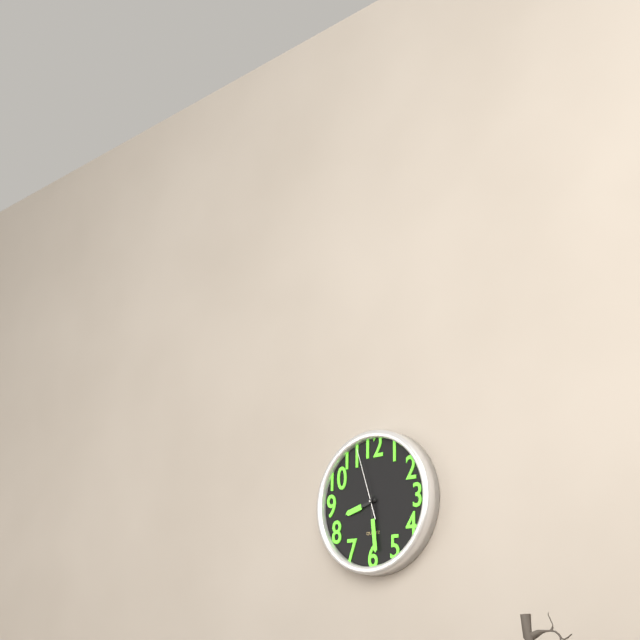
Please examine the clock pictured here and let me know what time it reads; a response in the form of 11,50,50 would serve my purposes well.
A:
8,29,57
